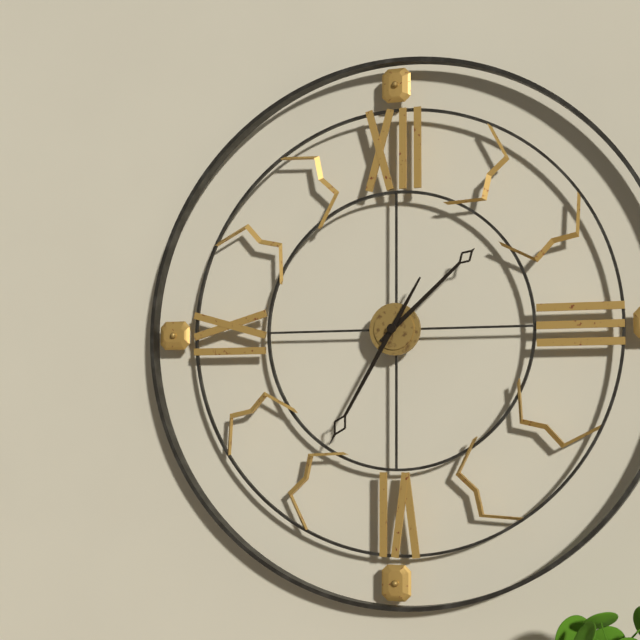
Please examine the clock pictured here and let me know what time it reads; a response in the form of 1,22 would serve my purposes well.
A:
1,35
